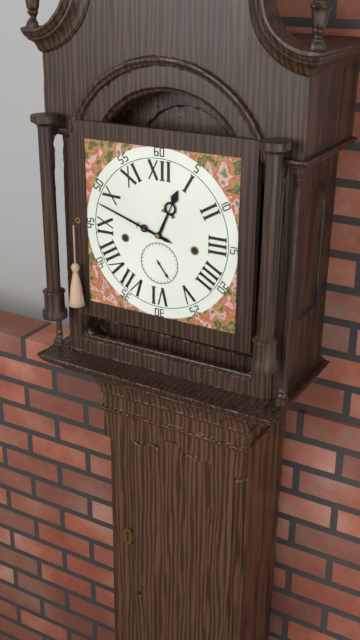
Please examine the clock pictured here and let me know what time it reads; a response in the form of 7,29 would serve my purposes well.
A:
12,48
